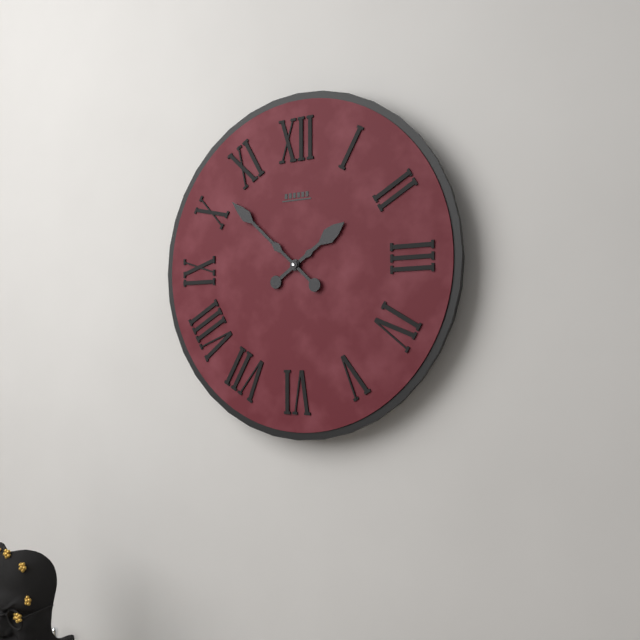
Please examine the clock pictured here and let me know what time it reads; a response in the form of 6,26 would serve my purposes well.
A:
1,52
